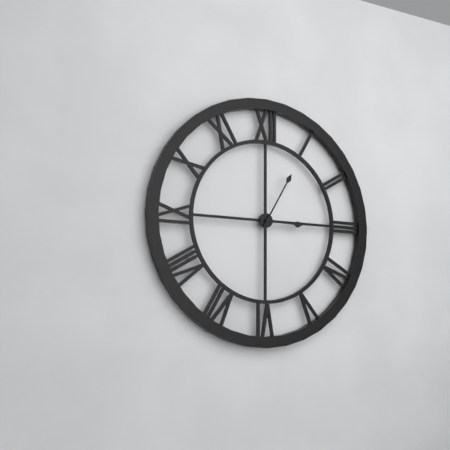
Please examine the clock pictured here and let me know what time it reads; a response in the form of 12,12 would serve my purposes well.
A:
3,05
